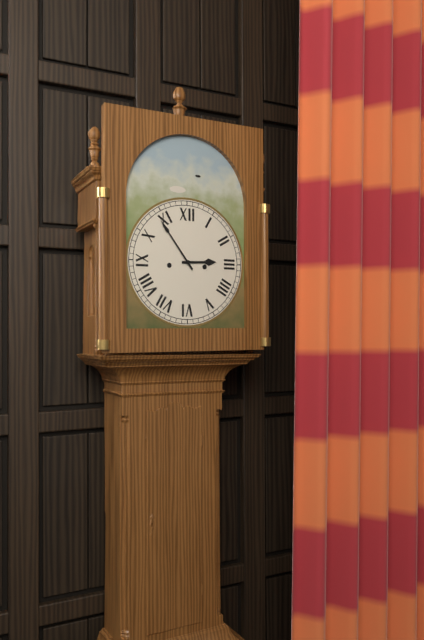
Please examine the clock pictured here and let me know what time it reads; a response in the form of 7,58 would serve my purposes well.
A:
2,54
